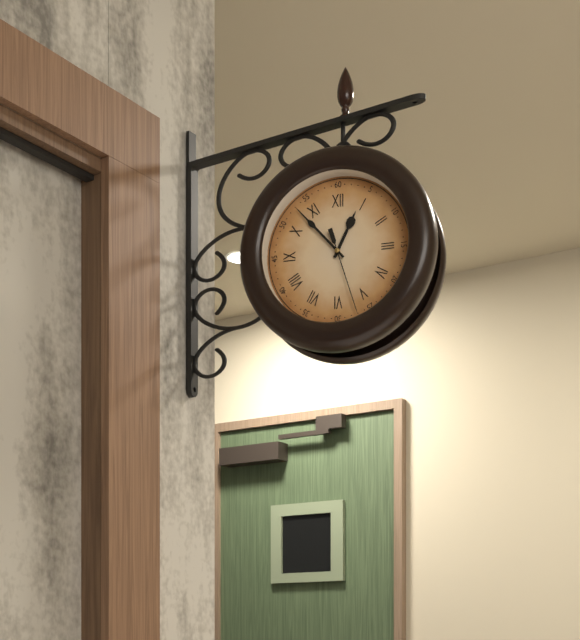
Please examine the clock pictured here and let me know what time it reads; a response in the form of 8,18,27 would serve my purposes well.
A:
12,53,27
